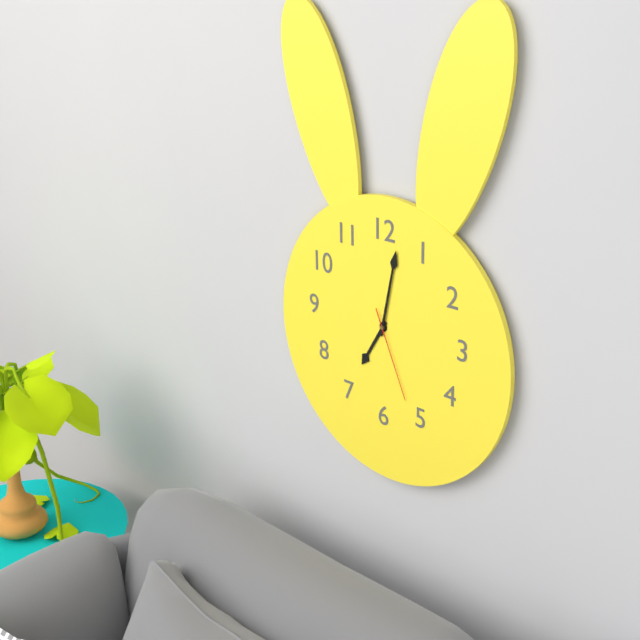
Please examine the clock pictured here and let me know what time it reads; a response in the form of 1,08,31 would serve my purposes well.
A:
7,02,26
